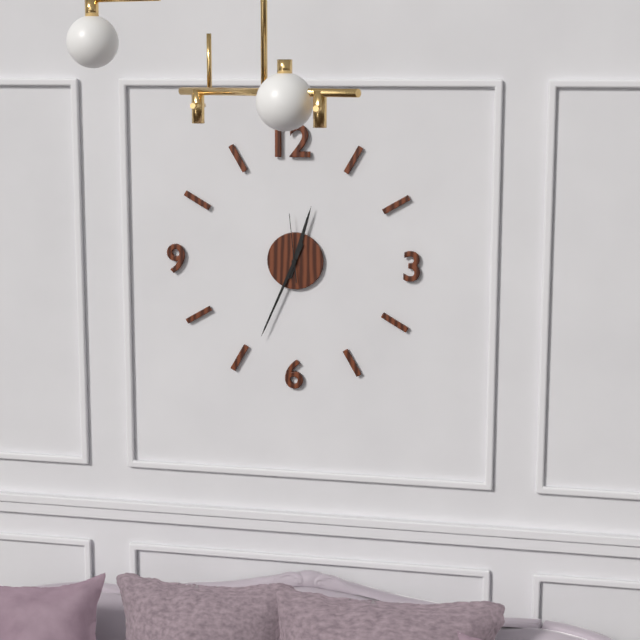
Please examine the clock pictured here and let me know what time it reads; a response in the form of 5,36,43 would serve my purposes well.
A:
12,34,59
